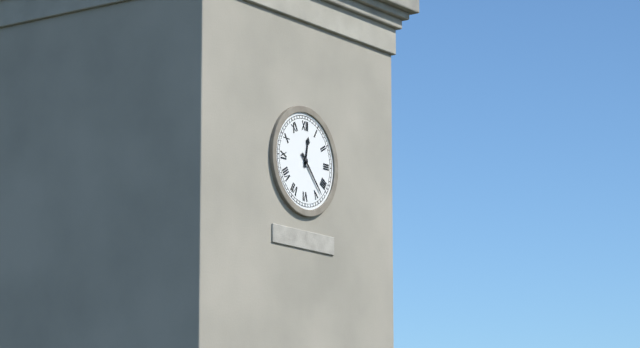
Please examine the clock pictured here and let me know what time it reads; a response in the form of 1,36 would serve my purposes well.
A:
12,23
